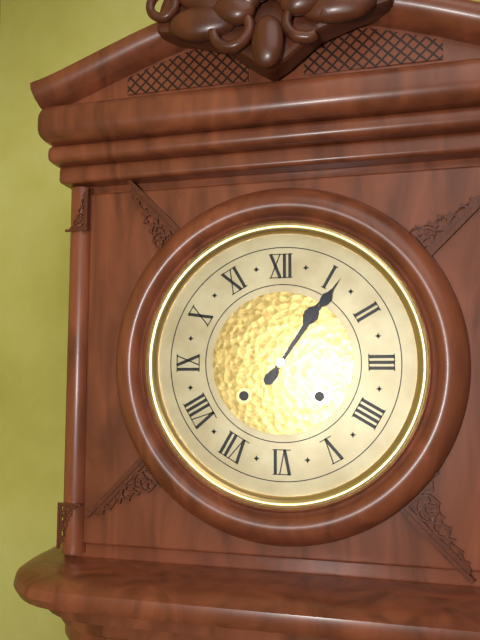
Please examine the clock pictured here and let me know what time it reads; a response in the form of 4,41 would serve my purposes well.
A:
1,06
